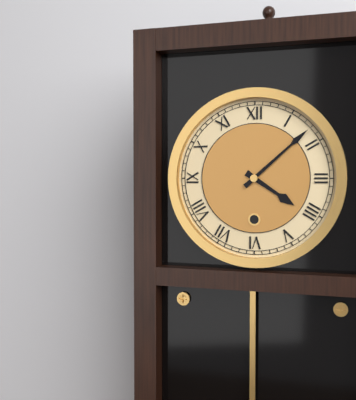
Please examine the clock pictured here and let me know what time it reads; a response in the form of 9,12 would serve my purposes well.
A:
4,08
